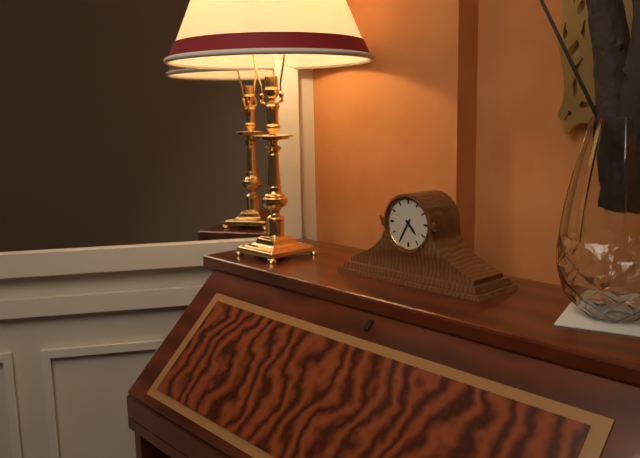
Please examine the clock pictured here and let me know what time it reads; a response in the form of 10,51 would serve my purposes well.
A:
4,35
